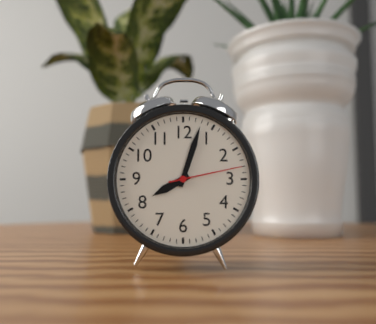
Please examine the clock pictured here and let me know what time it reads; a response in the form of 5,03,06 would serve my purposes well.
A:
8,03,13
